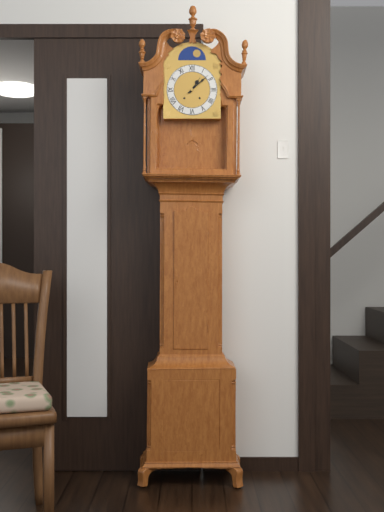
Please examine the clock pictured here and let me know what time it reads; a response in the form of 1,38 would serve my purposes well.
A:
1,08
